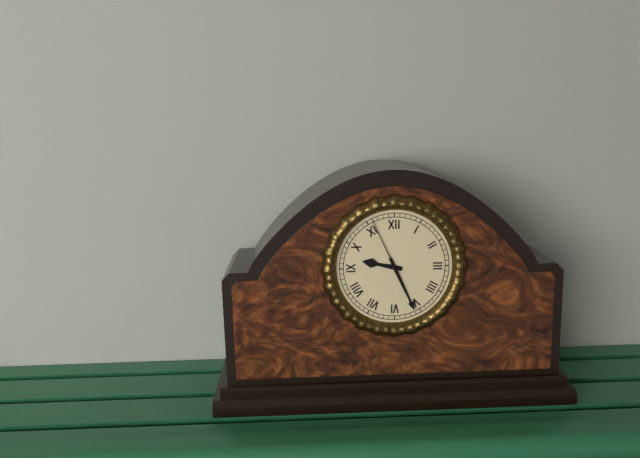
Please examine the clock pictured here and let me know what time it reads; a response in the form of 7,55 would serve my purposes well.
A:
9,26
